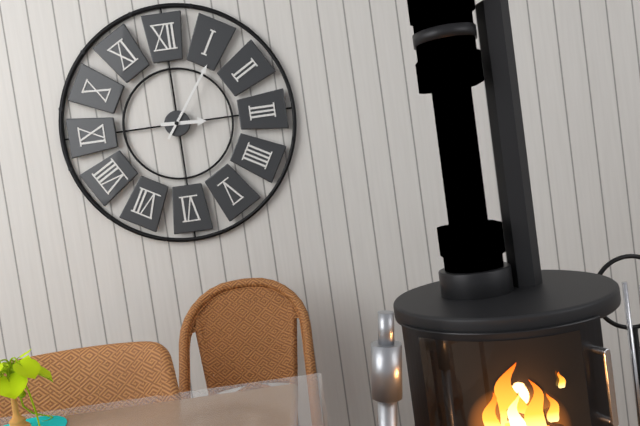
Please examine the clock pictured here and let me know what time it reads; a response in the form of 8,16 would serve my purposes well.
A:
3,06
